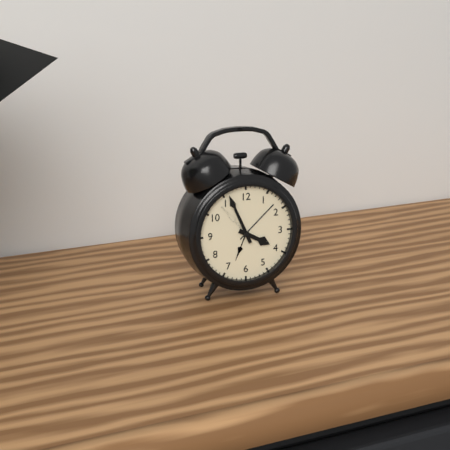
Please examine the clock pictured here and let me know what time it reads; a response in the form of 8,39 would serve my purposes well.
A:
3,56
